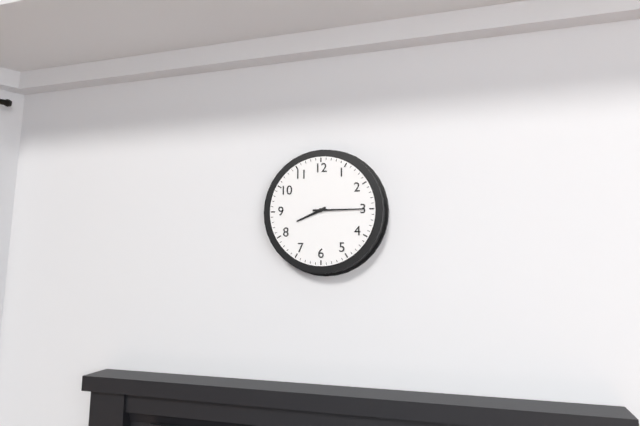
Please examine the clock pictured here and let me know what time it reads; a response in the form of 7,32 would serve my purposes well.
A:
8,15
